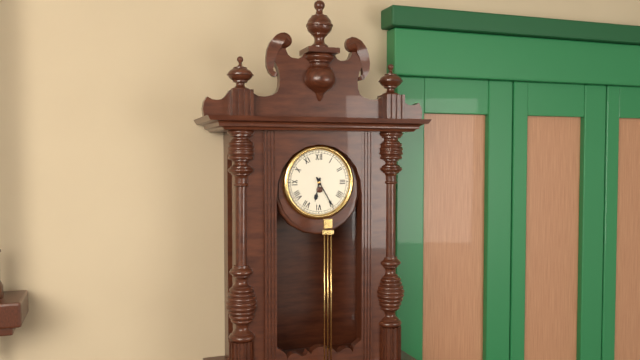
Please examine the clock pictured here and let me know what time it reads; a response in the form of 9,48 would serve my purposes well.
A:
6,25
